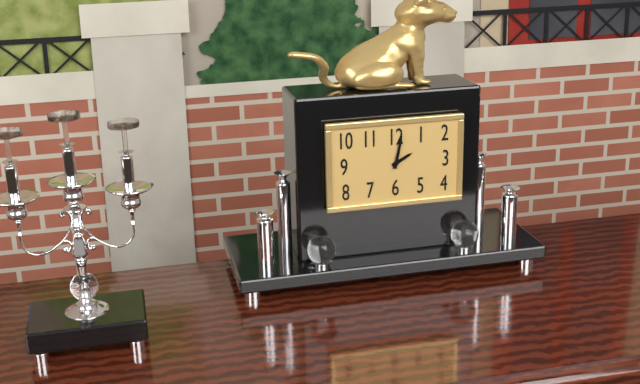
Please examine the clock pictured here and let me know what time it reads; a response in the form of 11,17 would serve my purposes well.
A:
2,02
